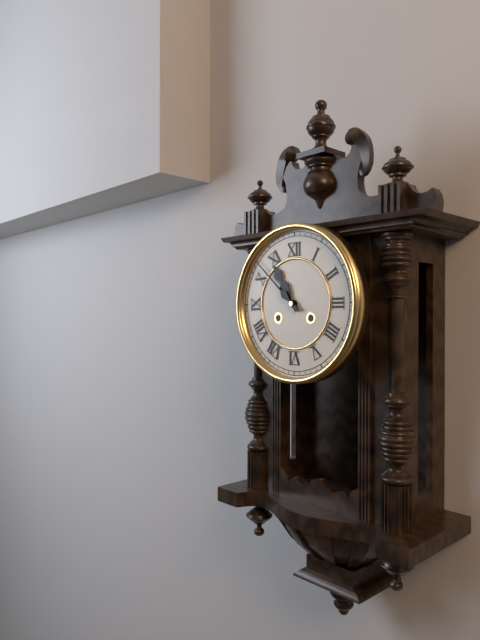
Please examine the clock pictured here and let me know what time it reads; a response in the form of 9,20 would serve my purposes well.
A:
10,52
